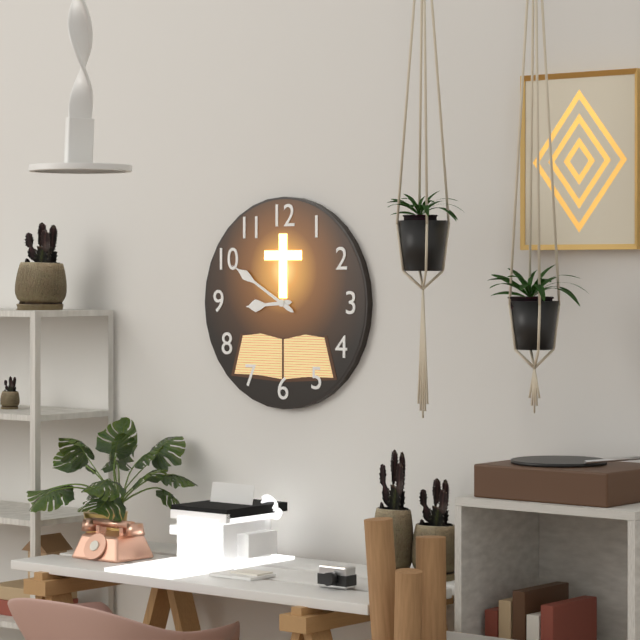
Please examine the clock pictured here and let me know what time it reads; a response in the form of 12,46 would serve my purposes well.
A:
8,50
